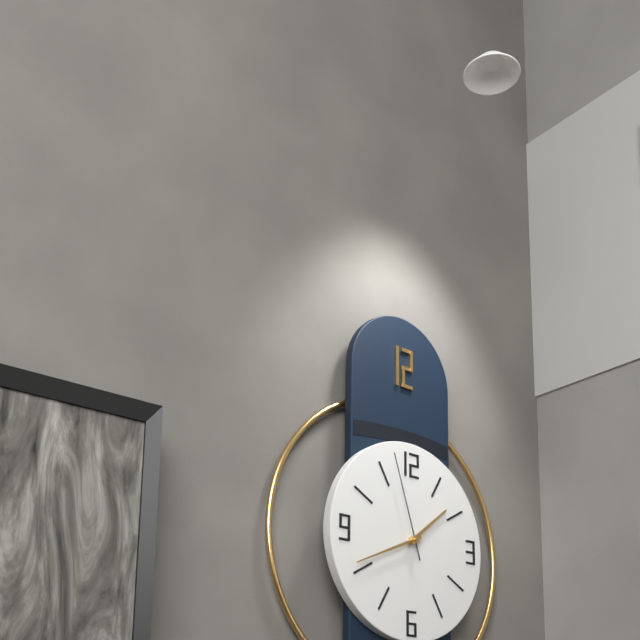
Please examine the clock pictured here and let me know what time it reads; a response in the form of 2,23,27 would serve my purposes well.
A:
1,41,57
